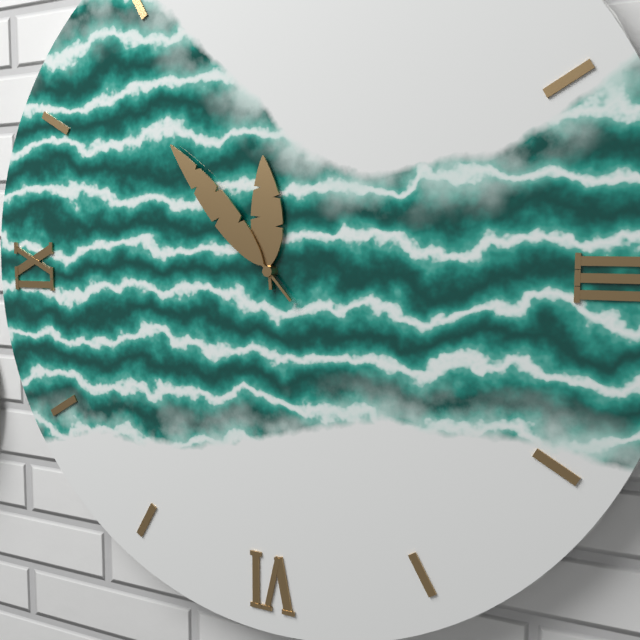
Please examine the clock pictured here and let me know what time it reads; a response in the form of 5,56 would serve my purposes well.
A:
11,53
